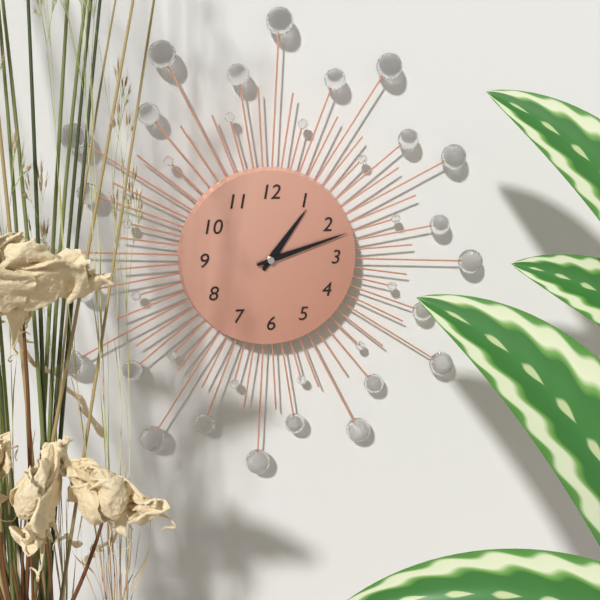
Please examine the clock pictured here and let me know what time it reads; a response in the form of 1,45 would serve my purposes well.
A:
1,12
